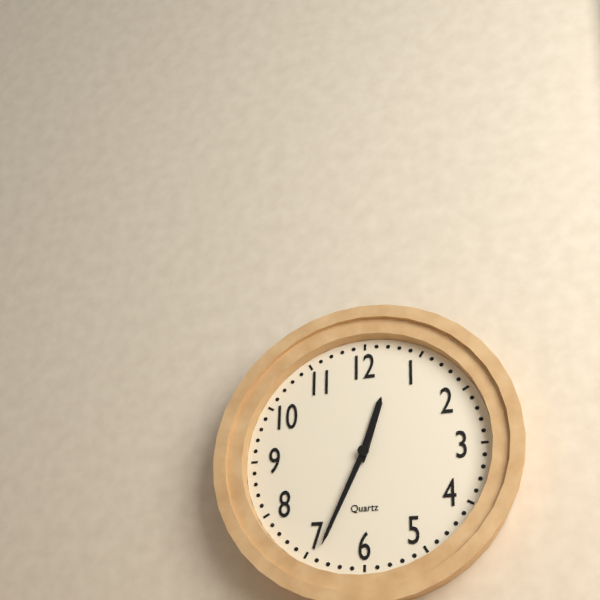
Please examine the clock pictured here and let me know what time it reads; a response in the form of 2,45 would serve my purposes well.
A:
12,34
